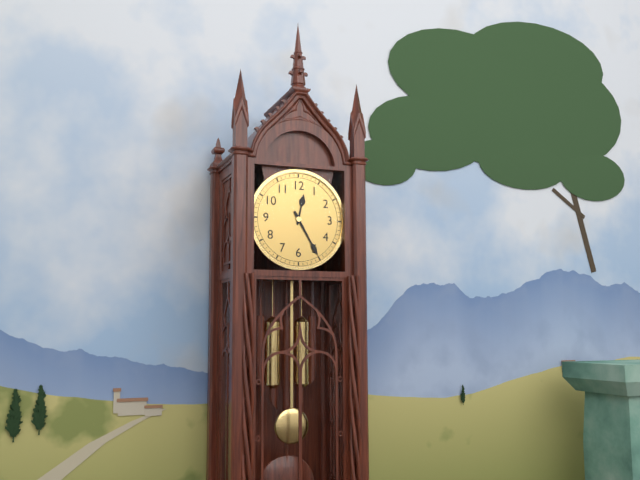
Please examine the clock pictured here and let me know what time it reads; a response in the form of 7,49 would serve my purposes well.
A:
12,25
